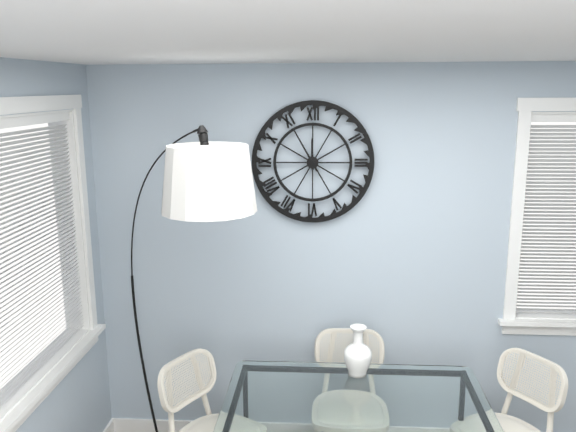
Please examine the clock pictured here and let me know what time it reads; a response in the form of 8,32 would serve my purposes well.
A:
11,55
